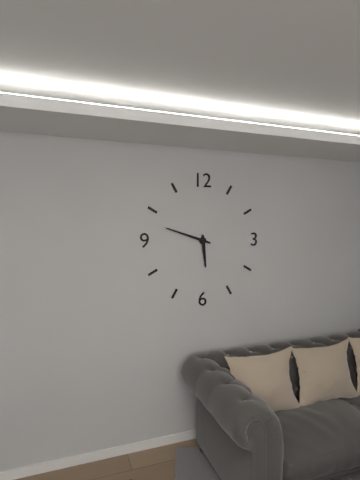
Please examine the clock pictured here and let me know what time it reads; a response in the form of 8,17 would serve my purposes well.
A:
5,48
